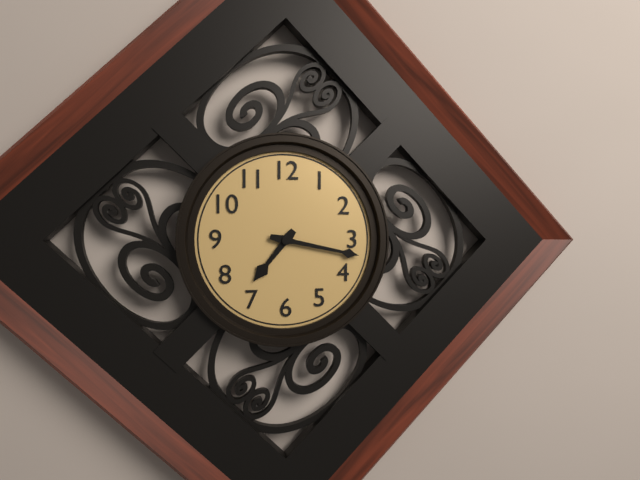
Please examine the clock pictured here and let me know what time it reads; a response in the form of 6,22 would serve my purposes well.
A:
7,17
